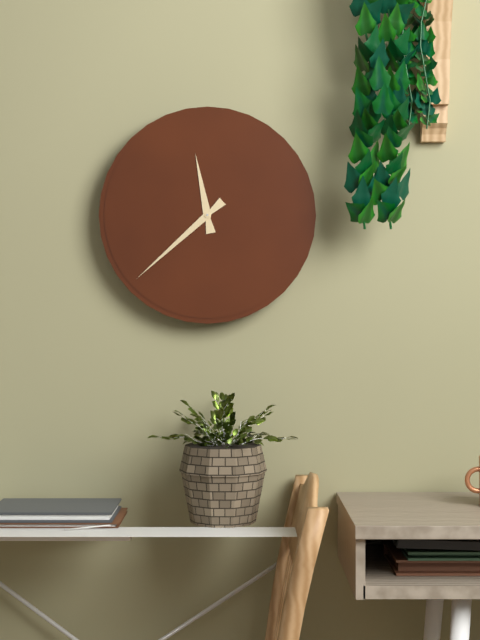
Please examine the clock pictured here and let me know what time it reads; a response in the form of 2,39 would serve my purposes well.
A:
11,38
